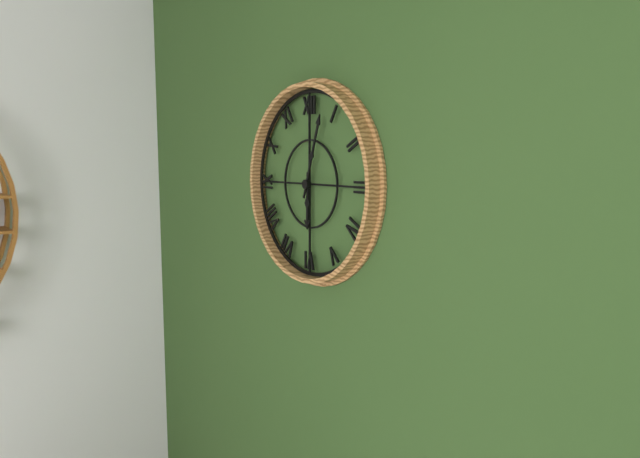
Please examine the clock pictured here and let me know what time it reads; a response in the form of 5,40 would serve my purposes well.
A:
6,03
